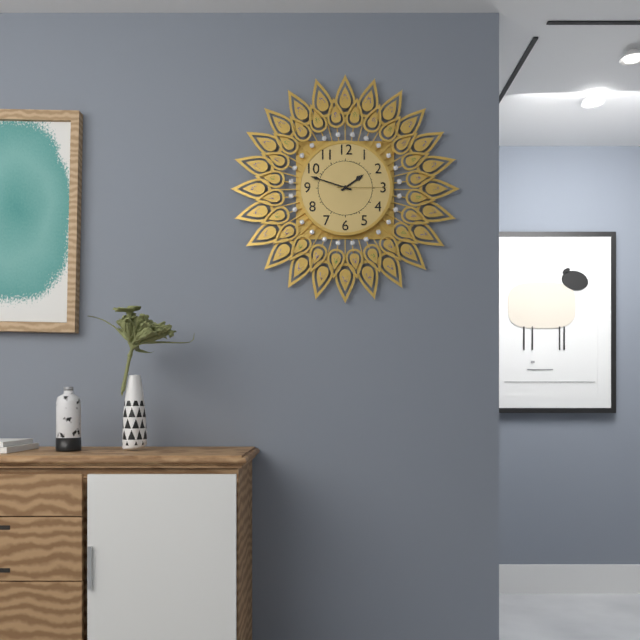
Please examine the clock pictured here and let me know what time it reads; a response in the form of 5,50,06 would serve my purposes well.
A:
1,48,15
